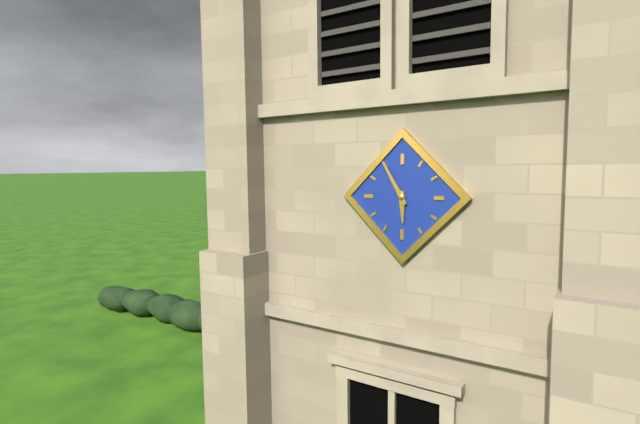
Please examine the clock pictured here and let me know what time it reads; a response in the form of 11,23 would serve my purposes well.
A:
5,55
